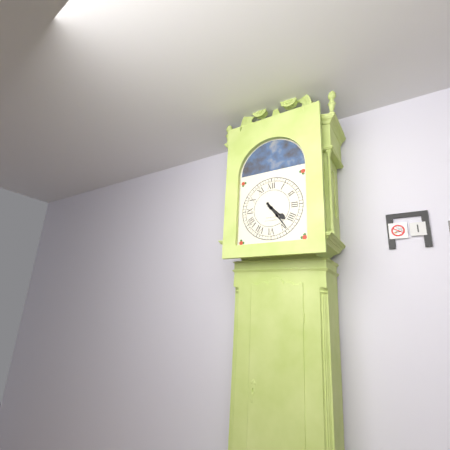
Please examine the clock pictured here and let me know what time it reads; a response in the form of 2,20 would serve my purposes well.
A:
4,24
